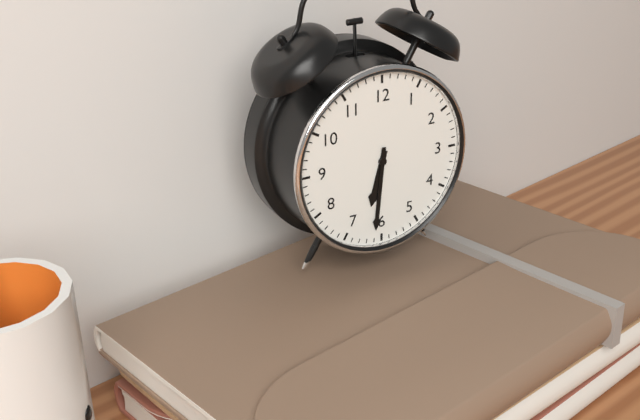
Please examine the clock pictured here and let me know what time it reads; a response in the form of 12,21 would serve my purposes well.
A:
6,31
